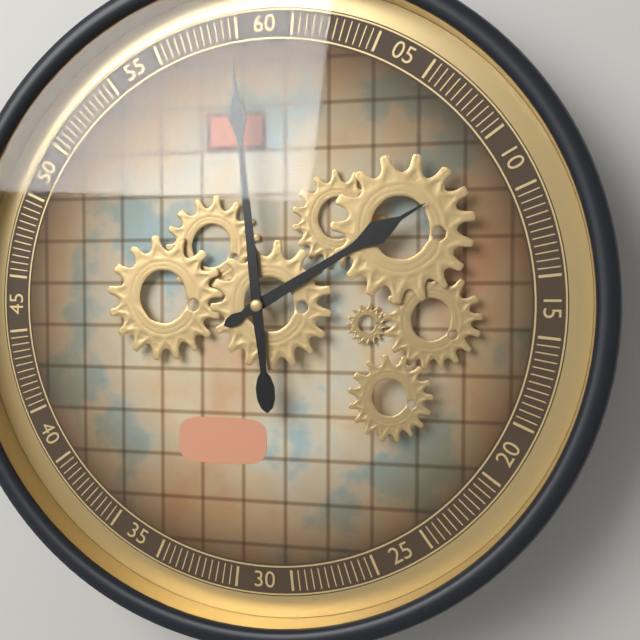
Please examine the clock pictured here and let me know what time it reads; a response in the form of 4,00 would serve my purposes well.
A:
1,59
